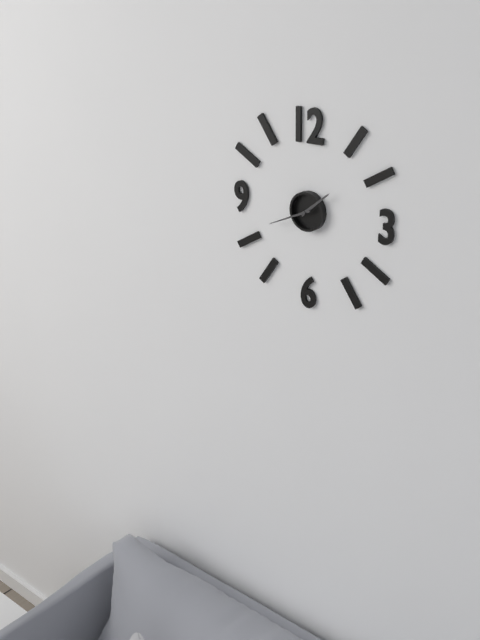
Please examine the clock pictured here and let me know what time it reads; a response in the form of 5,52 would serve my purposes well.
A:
1,41
